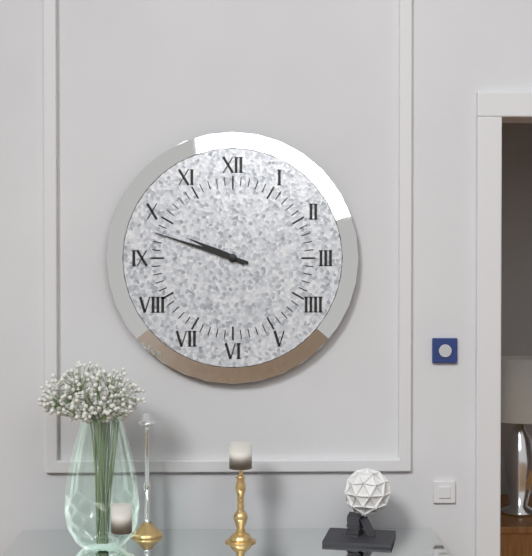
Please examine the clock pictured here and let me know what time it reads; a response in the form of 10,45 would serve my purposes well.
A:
9,48
